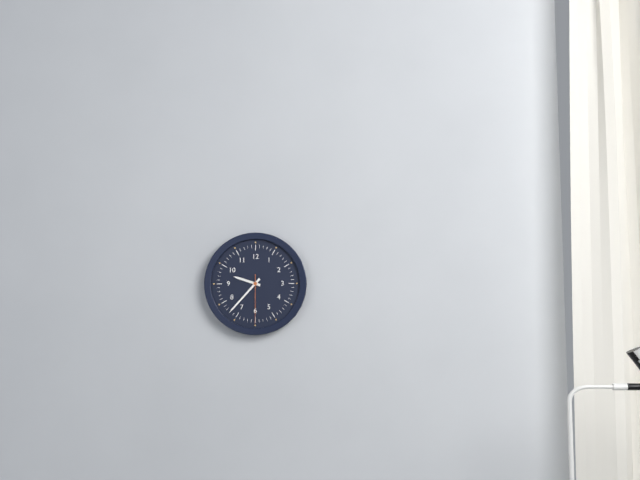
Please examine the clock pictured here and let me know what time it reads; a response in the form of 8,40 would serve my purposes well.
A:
9,37
